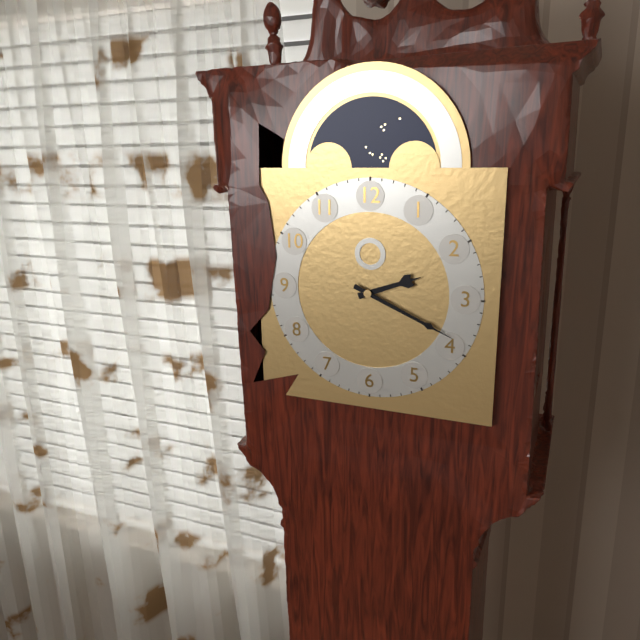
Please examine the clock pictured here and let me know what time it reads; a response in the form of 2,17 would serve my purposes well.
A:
2,19
